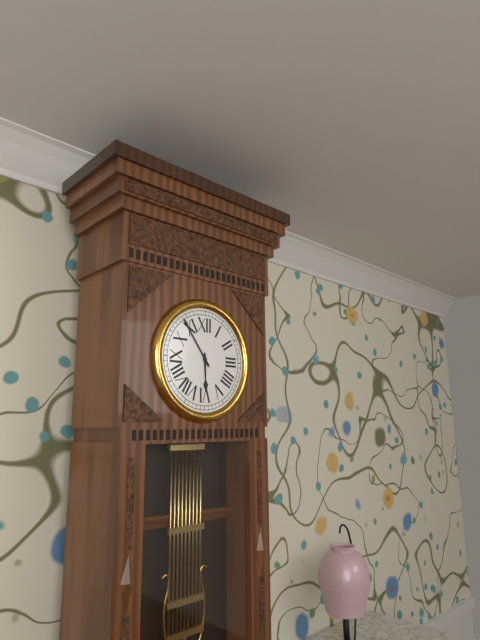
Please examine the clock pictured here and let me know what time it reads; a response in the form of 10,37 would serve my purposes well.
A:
5,54
